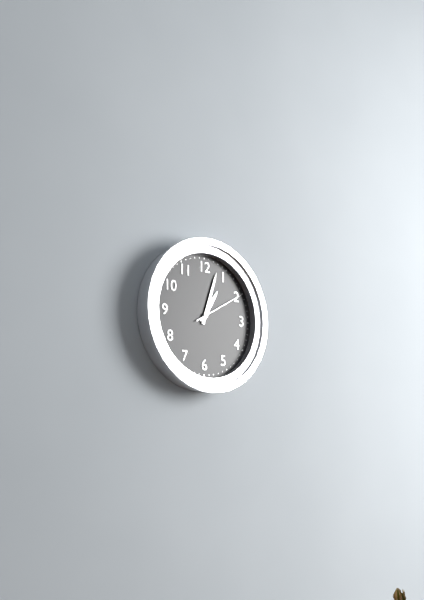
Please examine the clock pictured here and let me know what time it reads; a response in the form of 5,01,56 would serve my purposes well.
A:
1,03,10
